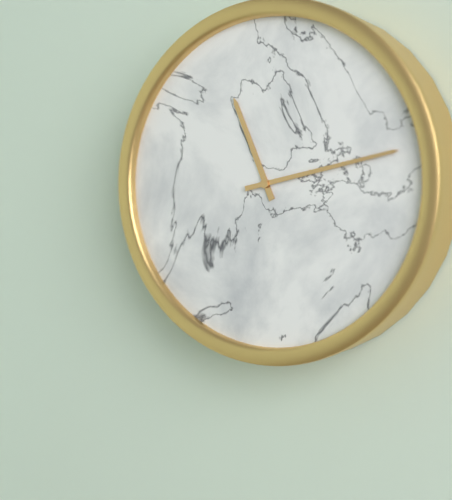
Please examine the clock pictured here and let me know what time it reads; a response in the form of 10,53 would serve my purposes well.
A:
11,13
